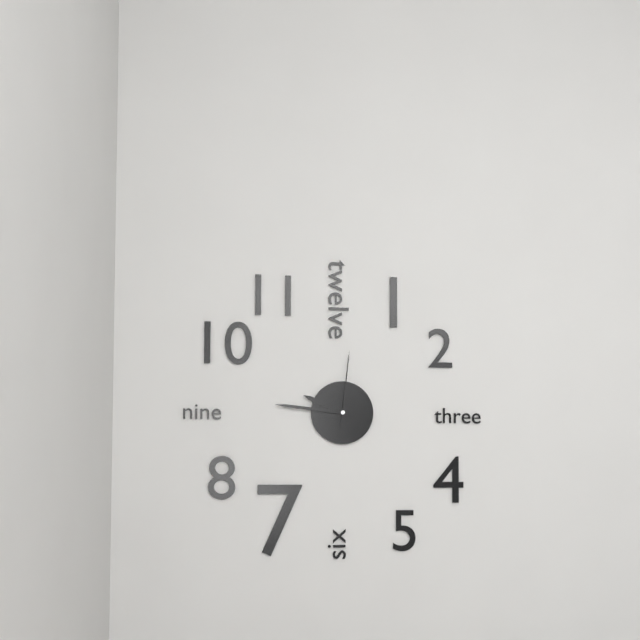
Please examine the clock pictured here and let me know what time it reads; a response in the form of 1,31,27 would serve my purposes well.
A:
9,46,01
